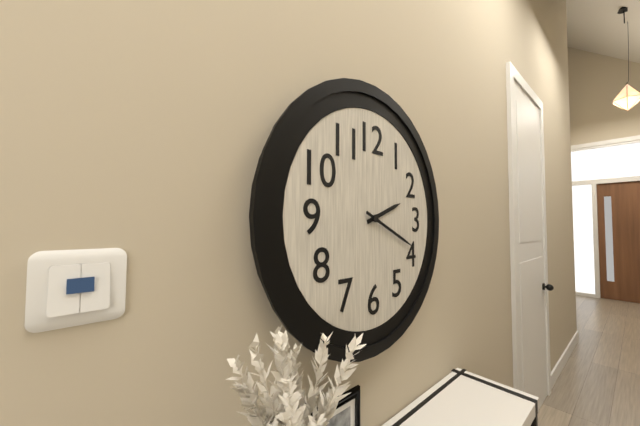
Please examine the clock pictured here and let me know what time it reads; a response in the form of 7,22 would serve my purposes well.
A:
2,19
